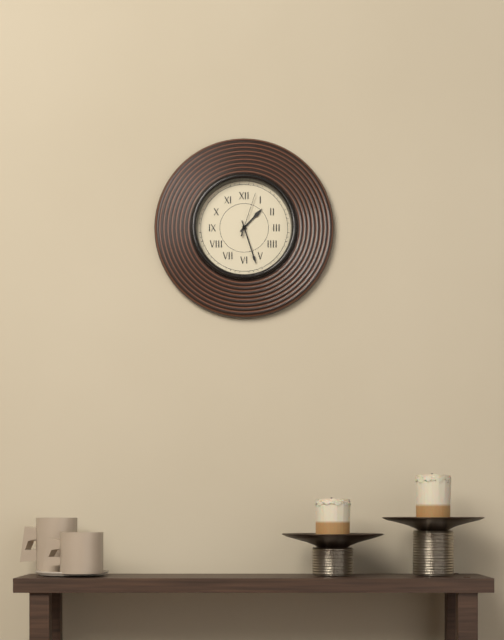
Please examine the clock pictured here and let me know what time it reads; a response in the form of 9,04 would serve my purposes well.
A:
1,27
